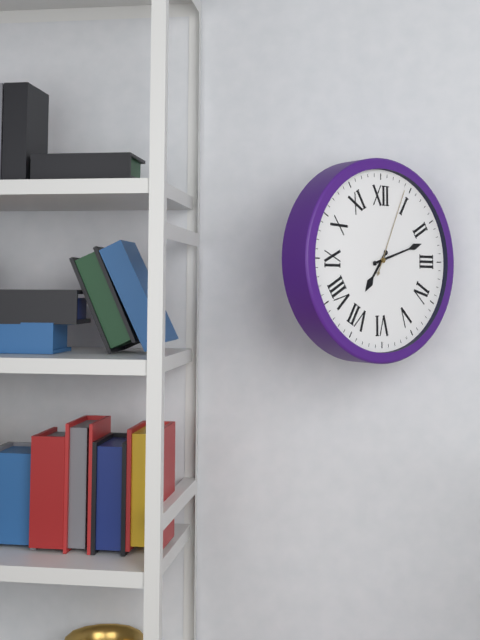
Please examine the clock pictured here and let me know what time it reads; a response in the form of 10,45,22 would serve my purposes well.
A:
7,12,04
